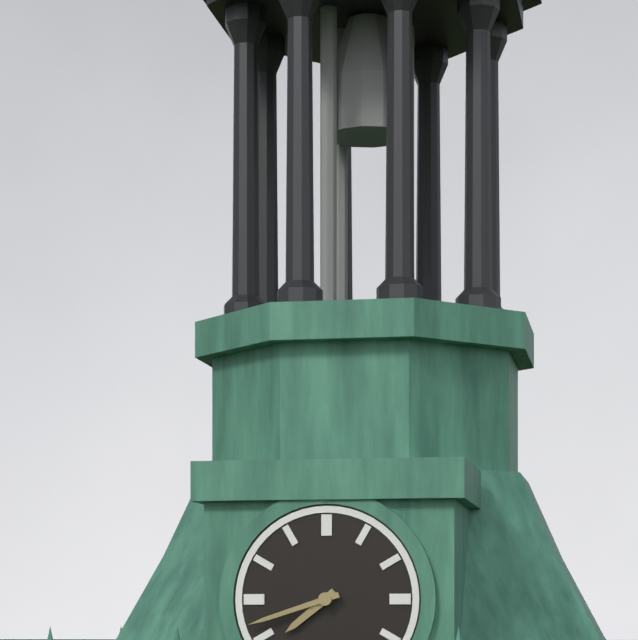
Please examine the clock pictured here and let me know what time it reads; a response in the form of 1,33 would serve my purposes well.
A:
7,42
